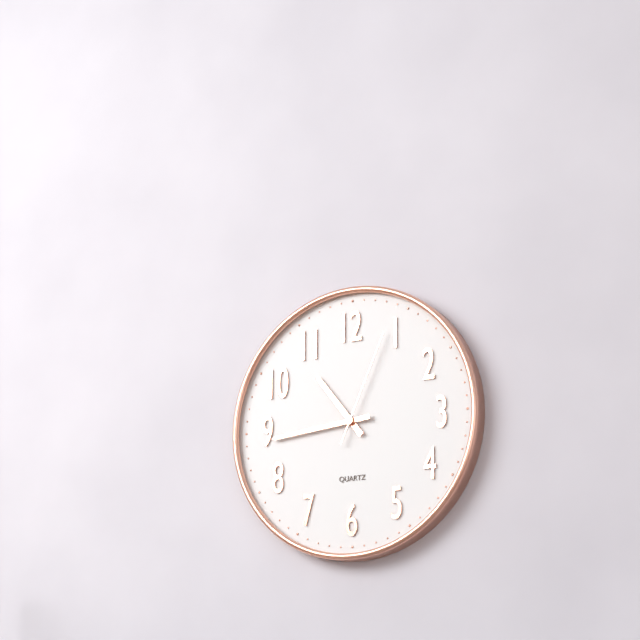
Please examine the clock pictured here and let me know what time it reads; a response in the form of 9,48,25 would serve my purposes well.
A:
10,44,04
